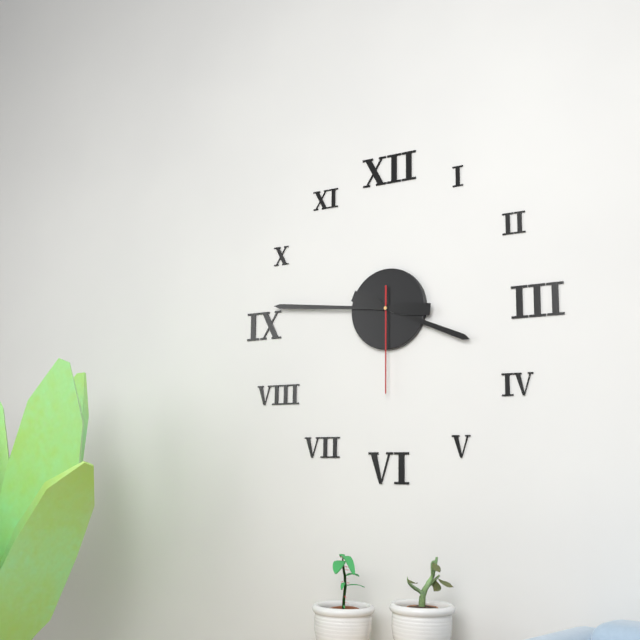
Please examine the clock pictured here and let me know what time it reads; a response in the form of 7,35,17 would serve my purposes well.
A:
3,46,30
